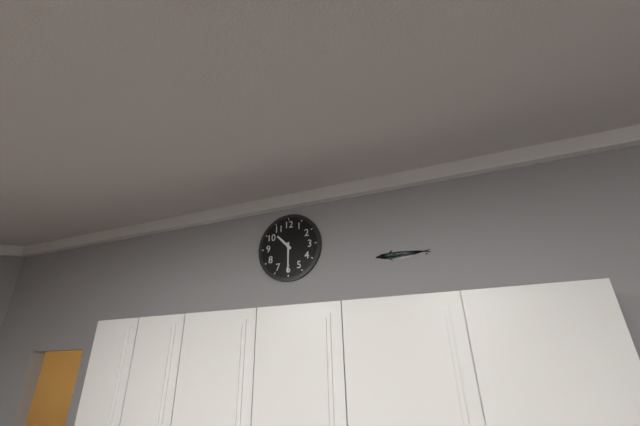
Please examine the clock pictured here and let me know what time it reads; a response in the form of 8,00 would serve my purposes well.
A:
10,30
